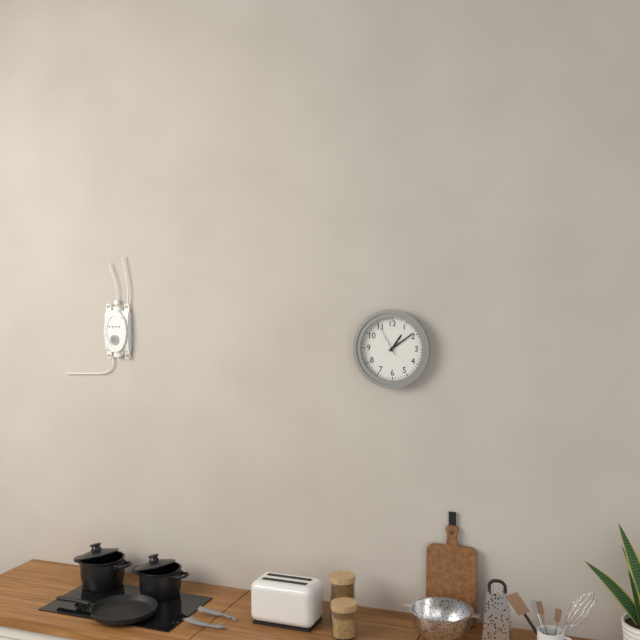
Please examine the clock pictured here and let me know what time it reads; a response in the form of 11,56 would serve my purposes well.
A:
1,09
